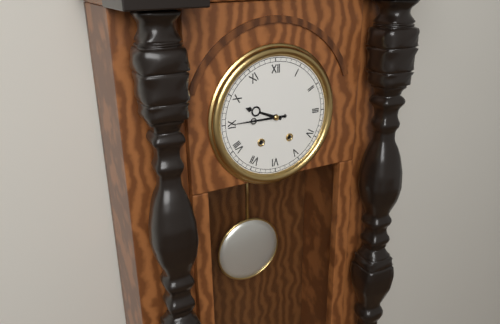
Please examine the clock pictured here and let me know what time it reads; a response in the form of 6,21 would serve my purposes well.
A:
9,45
